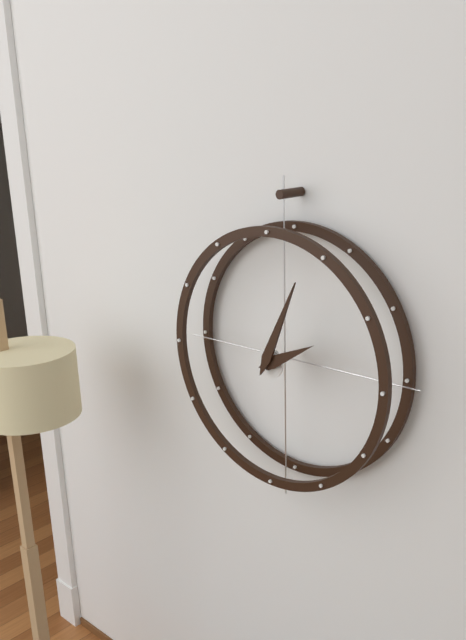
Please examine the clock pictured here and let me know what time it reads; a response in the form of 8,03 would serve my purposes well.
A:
2,04
